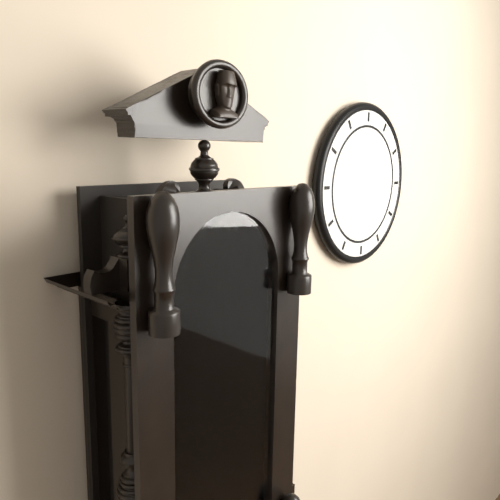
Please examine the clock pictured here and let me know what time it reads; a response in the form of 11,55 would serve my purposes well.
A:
3,38
